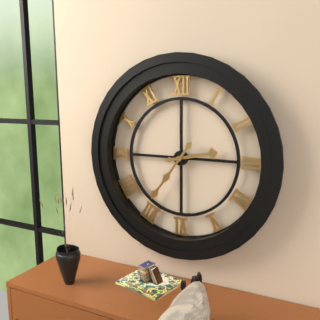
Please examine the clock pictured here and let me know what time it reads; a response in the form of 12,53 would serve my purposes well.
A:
2,36
